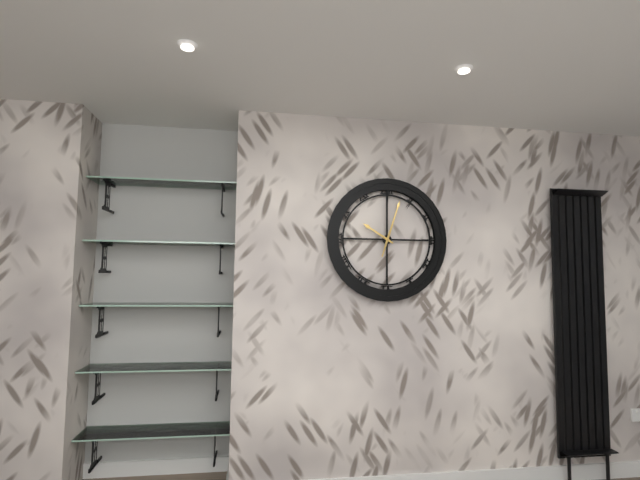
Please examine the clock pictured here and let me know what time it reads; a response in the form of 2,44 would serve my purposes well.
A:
10,03
